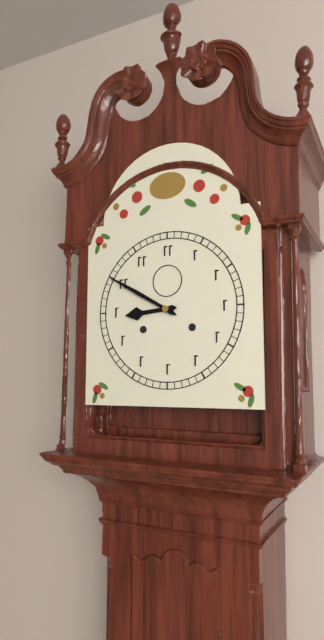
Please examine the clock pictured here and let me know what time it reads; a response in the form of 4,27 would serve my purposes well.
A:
8,50
